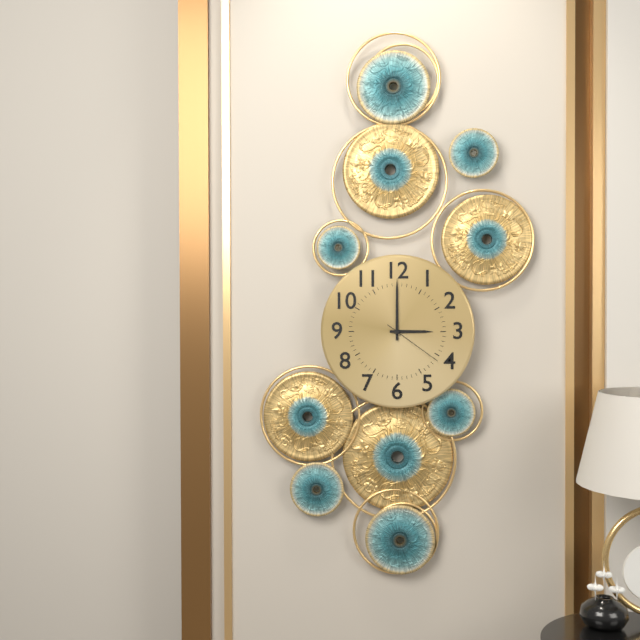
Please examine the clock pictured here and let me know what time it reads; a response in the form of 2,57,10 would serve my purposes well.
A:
3,00,21
